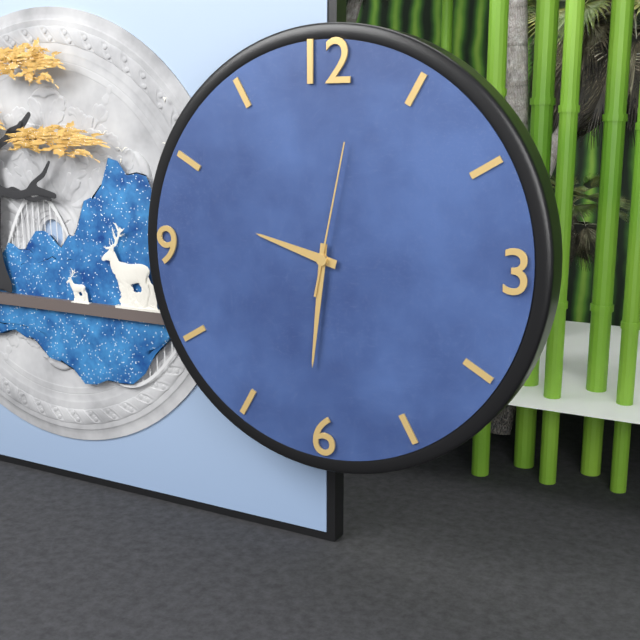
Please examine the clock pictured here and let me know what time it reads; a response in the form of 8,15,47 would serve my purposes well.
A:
9,31,02
